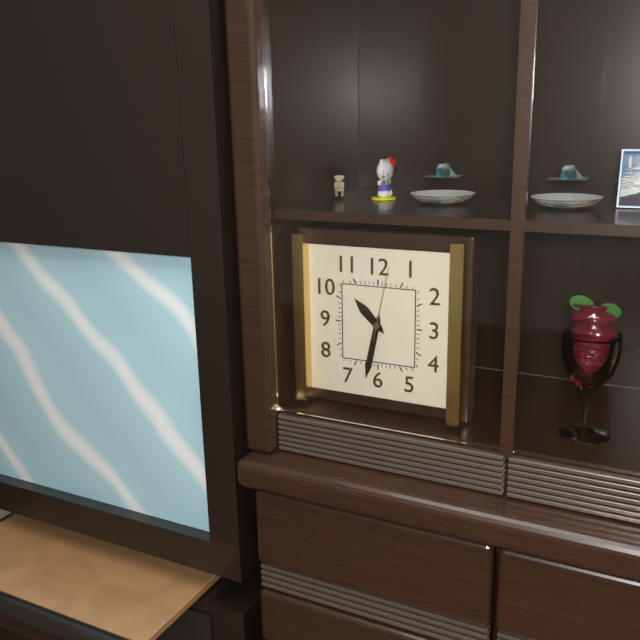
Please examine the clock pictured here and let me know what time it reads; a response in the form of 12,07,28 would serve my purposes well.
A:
10,32,02
